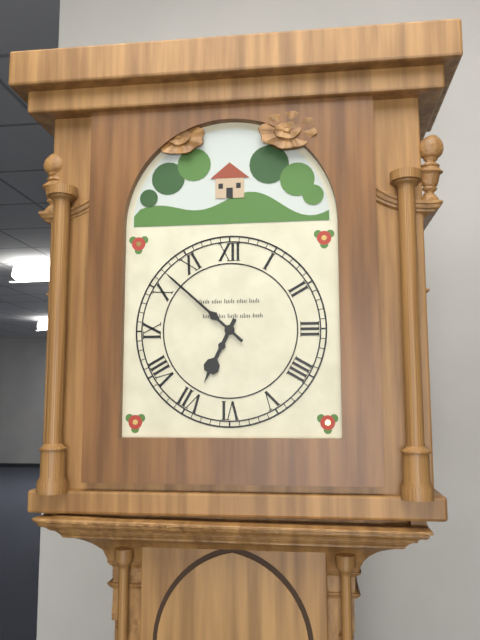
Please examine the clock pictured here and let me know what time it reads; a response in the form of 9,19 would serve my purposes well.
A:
6,52
